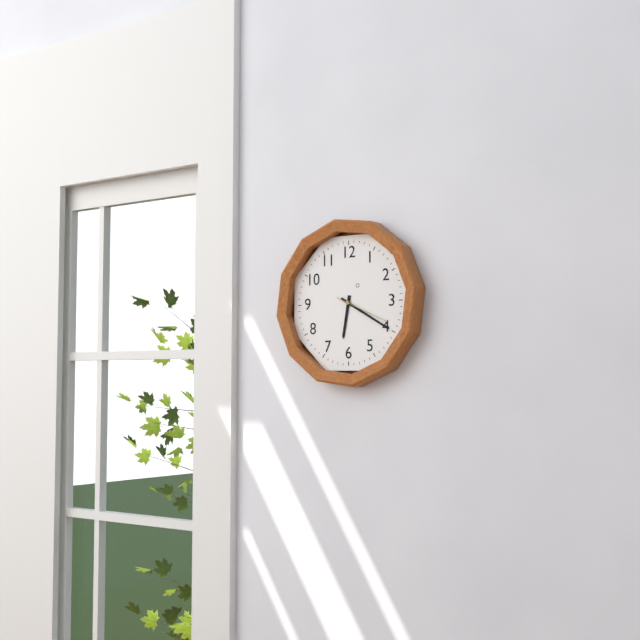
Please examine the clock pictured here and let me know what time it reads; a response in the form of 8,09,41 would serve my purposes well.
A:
6,20,19
